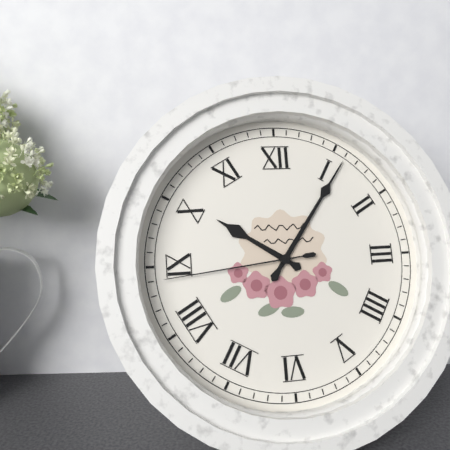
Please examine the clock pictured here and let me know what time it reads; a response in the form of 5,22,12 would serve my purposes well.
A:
10,06,44
